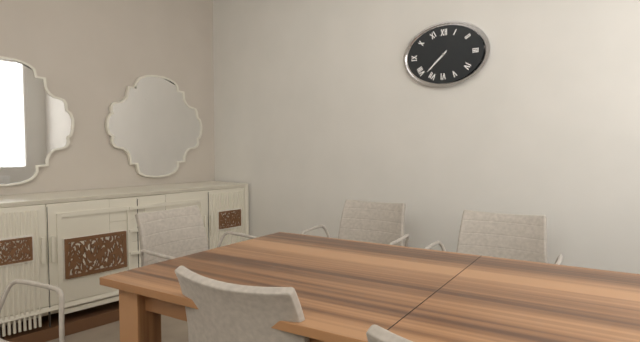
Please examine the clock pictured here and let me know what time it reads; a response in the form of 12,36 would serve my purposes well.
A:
7,38
